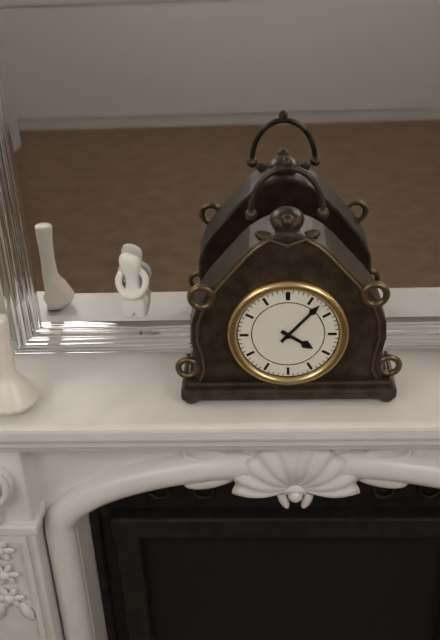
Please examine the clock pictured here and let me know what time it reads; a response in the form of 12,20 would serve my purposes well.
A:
4,07
